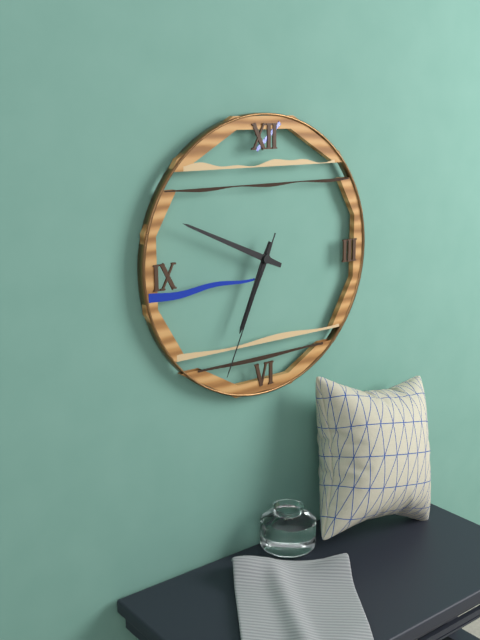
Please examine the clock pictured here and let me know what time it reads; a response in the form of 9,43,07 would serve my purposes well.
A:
6,49,34
